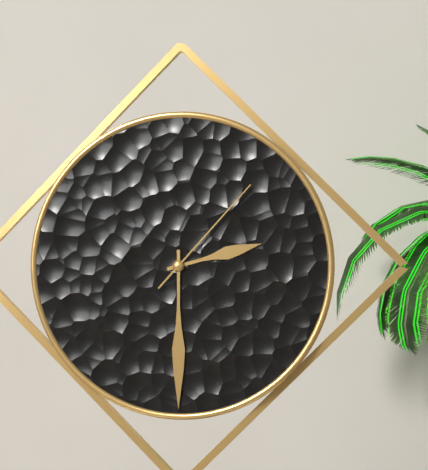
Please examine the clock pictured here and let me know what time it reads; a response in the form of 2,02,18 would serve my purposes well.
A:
2,30,07
